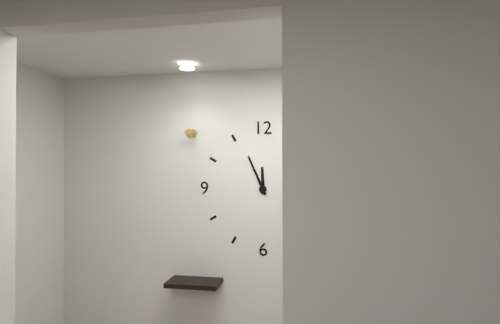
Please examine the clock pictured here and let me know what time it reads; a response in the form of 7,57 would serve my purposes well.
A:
11,56
